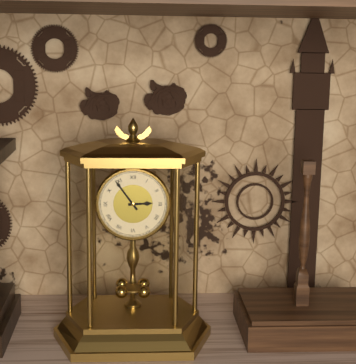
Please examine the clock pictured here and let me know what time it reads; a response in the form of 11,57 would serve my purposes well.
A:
2,54
